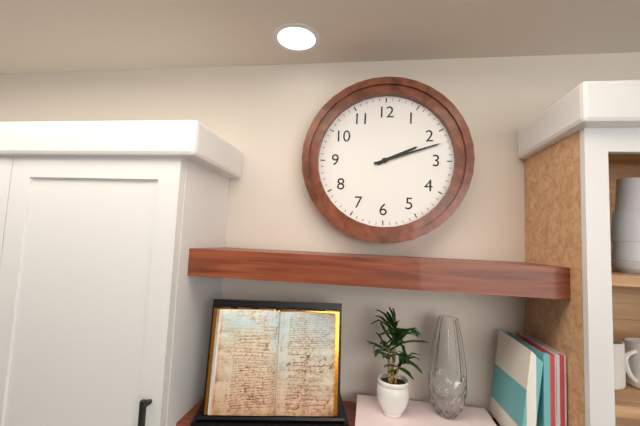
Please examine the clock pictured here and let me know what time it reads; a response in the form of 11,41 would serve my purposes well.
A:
2,12
